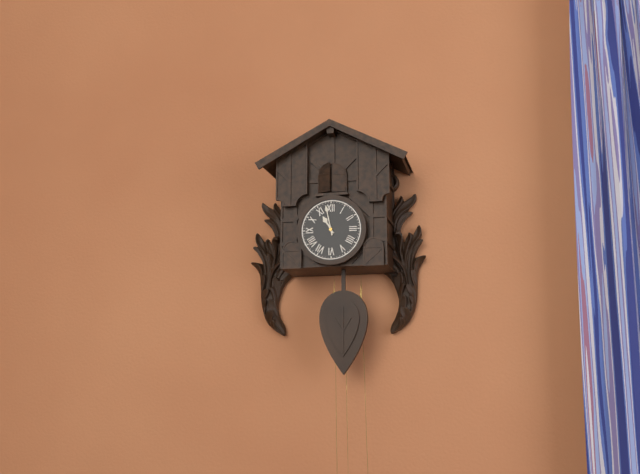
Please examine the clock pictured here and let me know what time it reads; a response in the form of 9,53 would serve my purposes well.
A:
10,58
